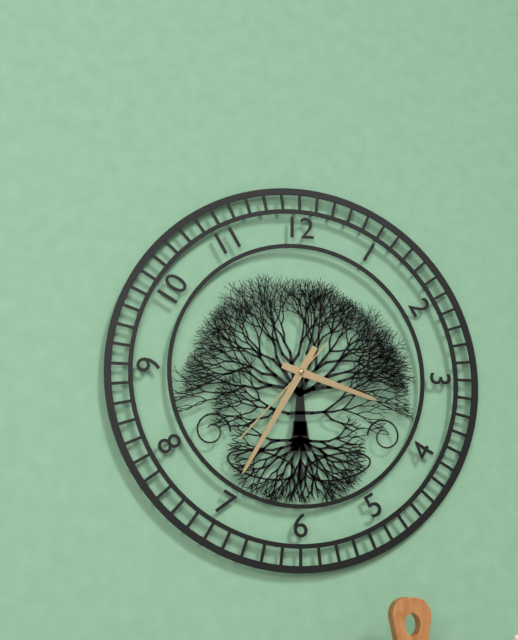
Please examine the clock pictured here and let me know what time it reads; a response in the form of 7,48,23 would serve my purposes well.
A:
3,35,37
